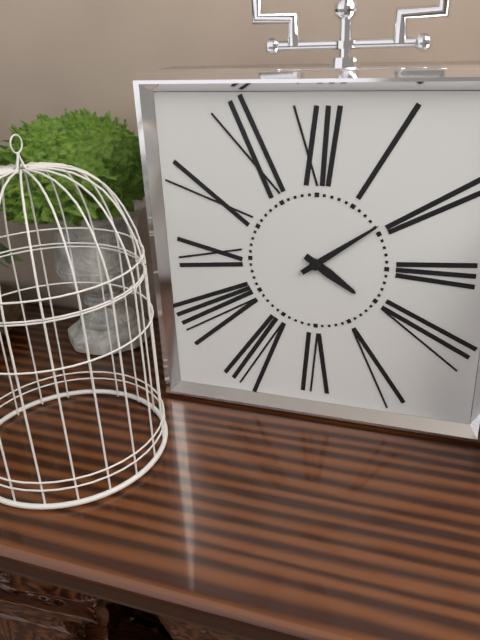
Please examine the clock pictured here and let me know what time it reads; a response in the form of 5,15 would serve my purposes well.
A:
4,09
